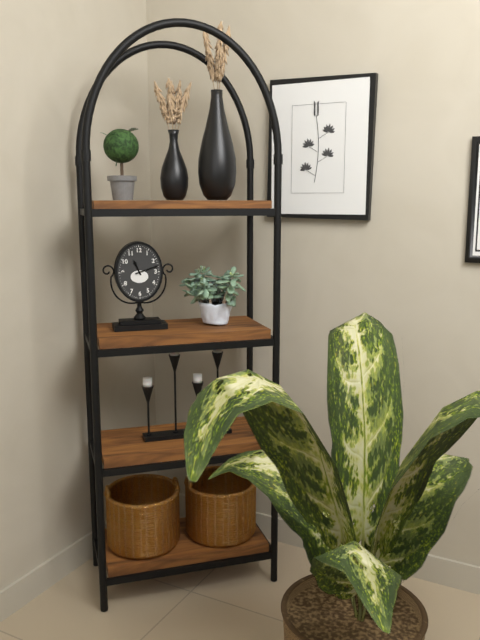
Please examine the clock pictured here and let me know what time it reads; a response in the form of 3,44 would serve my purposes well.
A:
11,12
